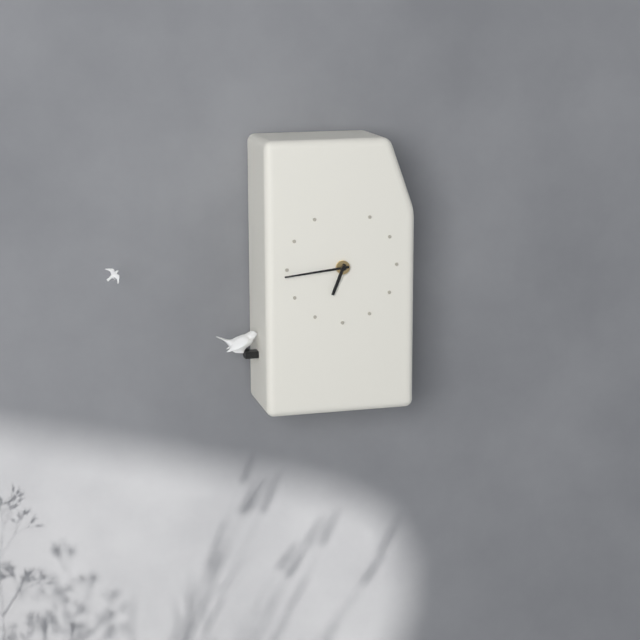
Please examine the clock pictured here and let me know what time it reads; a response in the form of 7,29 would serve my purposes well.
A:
6,44
